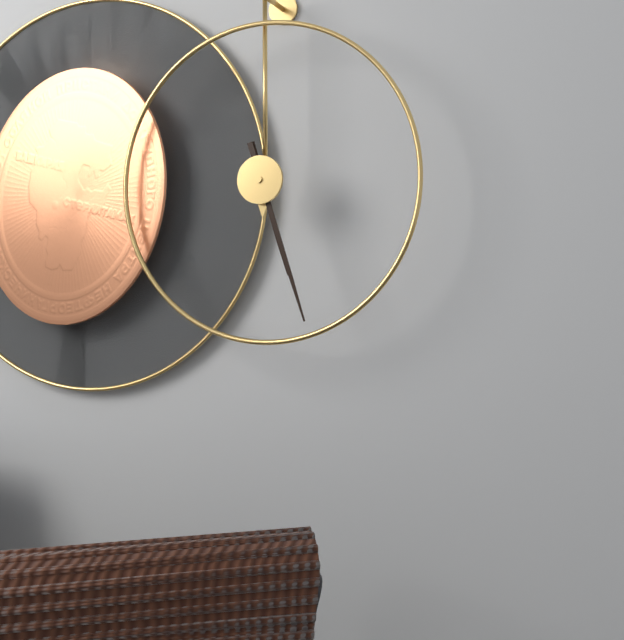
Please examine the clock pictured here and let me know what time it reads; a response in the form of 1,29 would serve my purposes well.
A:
5,27
